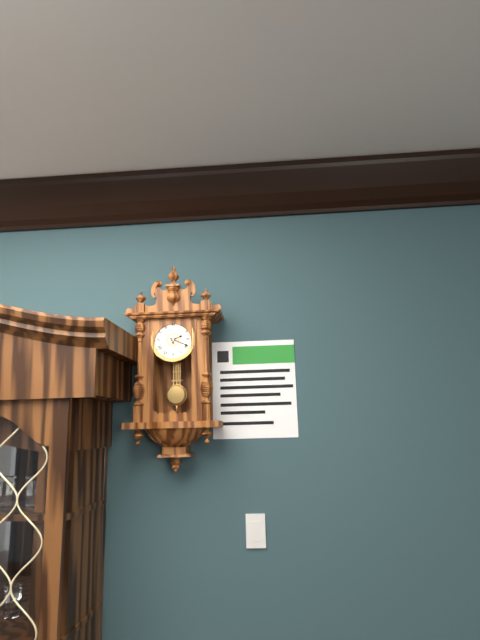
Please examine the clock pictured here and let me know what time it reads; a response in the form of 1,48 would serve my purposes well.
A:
2,19
